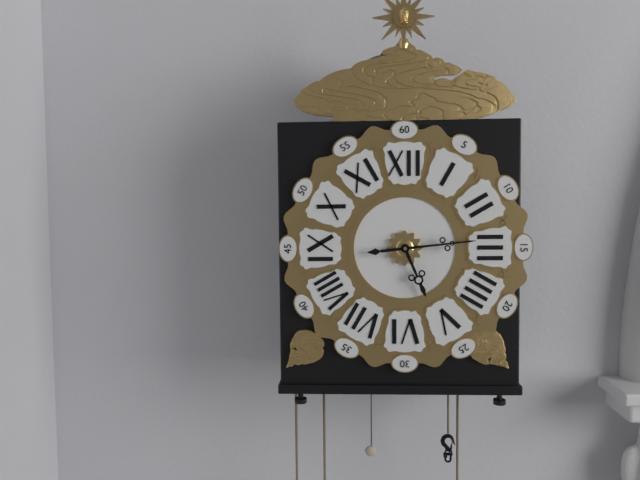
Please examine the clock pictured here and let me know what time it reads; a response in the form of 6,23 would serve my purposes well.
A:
5,14
